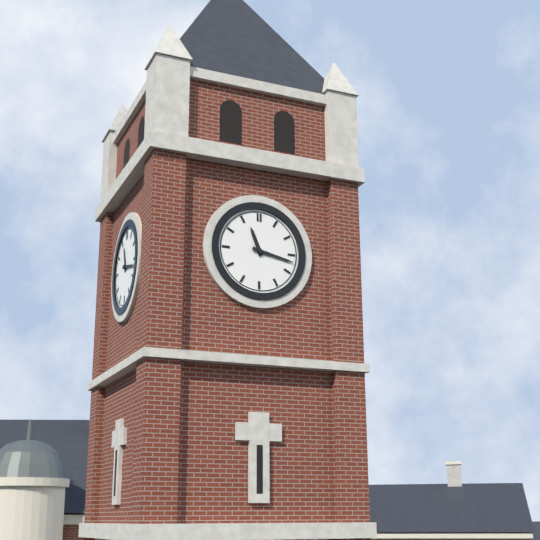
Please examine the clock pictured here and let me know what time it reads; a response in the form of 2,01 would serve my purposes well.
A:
11,17
